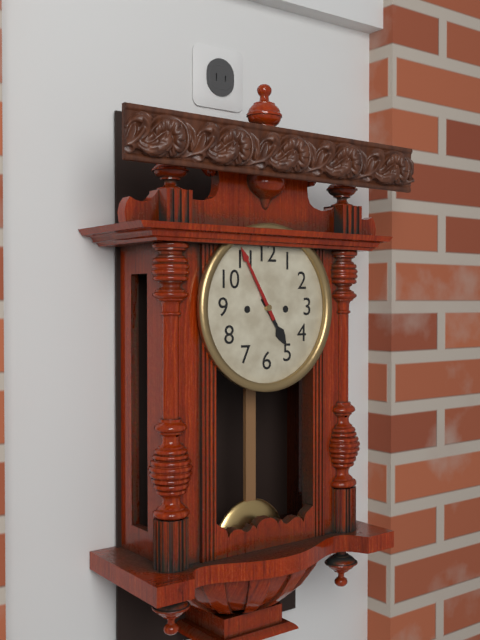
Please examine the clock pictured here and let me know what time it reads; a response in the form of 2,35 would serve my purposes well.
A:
4,55
